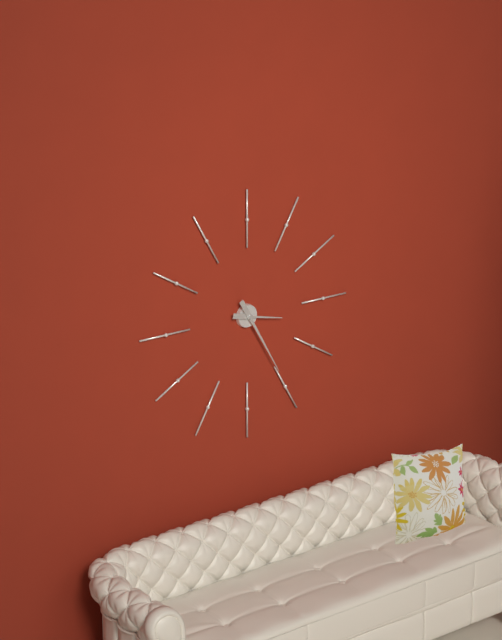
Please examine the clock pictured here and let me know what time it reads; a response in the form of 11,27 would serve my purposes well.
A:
3,25
